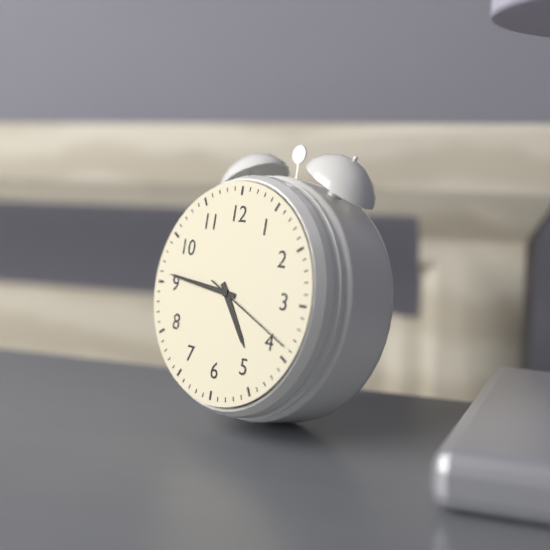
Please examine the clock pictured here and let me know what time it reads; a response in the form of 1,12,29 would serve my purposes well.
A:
4,46,19
